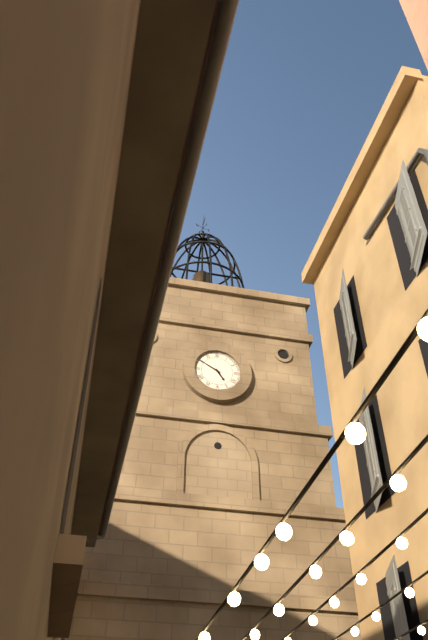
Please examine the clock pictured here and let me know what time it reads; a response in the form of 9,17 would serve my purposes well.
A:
4,50
